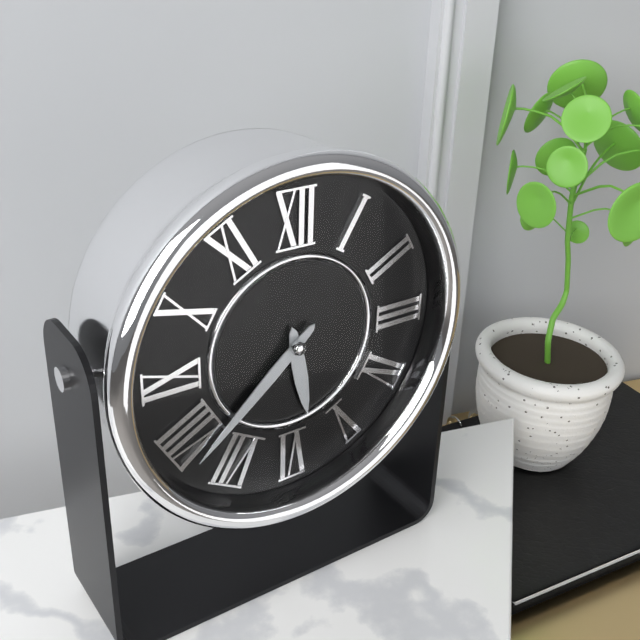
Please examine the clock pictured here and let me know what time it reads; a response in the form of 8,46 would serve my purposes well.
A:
5,38
